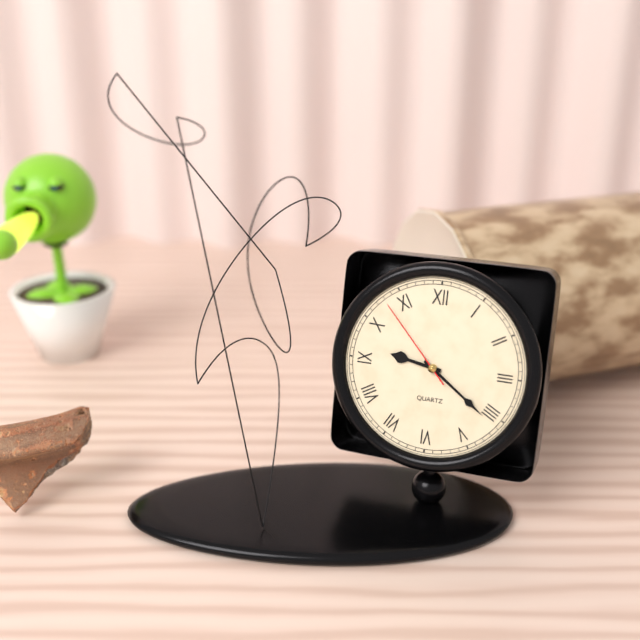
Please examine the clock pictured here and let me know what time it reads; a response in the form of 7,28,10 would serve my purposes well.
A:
9,21,53
